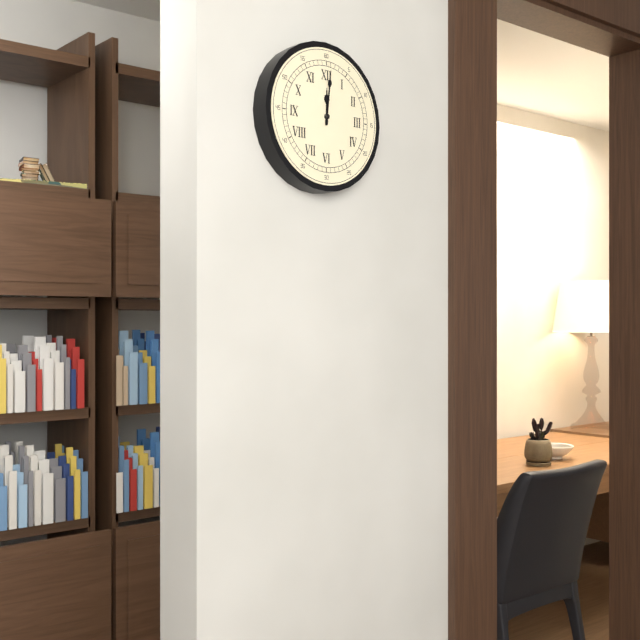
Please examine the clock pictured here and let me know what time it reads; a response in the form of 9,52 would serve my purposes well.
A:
12,01
